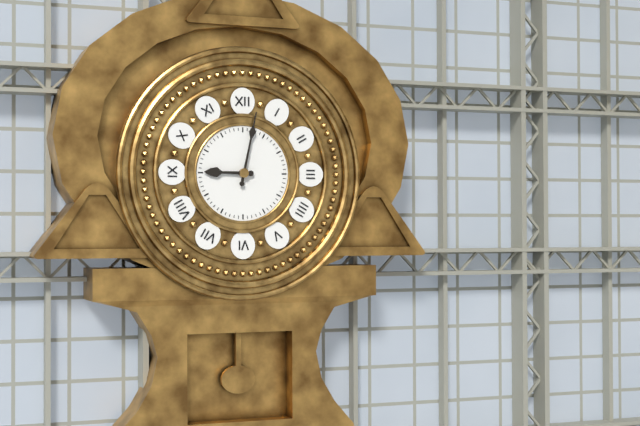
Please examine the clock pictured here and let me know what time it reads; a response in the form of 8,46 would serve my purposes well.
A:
9,02
